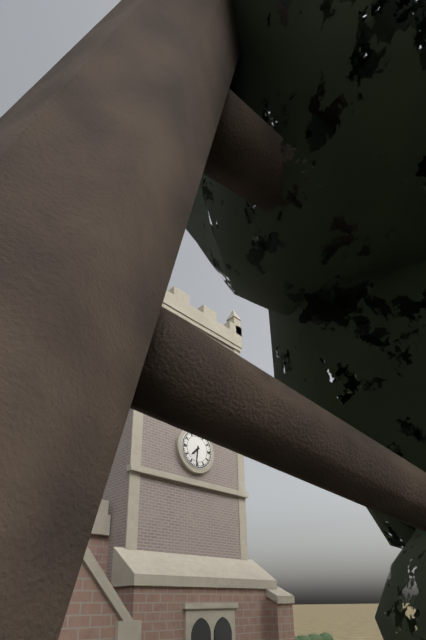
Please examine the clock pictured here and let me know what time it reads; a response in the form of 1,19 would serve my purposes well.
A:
7,31
